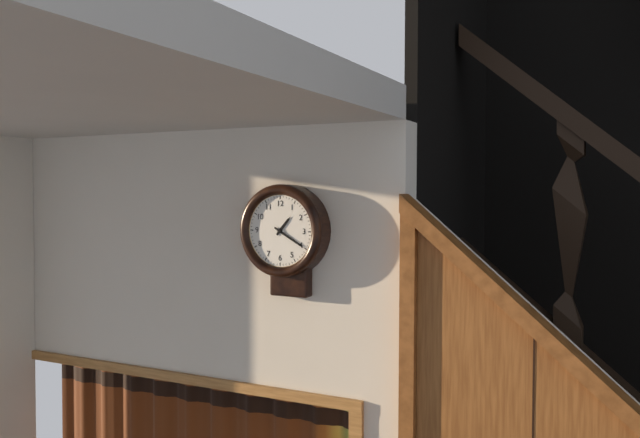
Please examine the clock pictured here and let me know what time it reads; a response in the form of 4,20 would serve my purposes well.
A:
1,20
